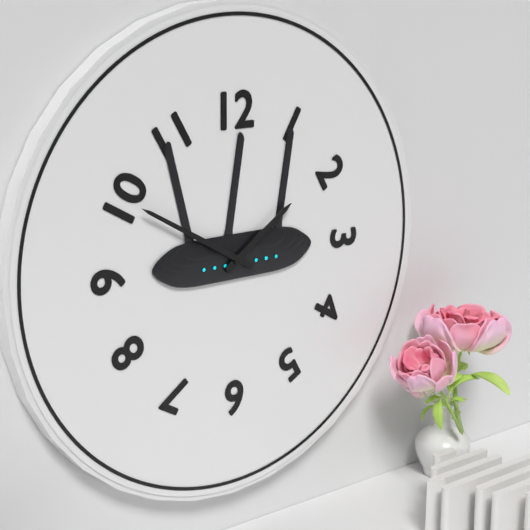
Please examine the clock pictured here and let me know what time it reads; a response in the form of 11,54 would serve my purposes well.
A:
1,50
